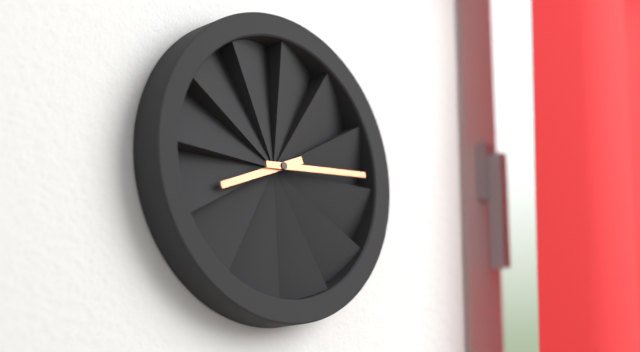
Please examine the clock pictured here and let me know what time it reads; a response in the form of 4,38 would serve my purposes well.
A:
8,14
